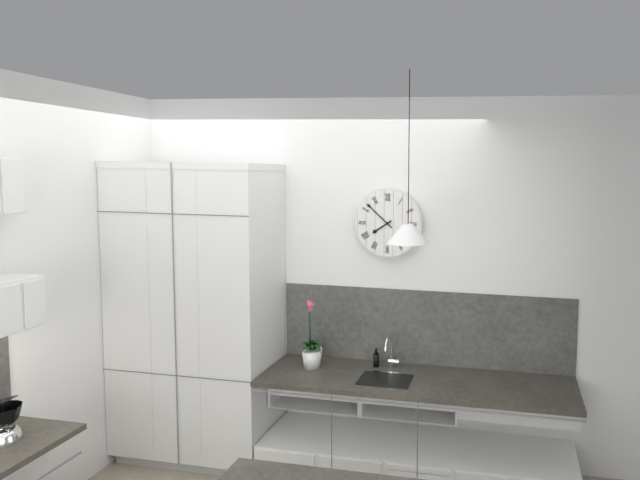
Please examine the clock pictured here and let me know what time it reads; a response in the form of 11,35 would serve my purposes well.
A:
7,52
